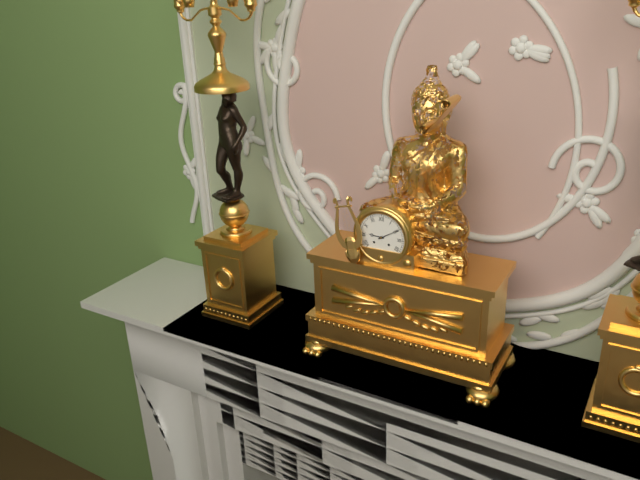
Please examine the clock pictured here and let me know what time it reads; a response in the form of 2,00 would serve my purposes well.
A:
9,10
